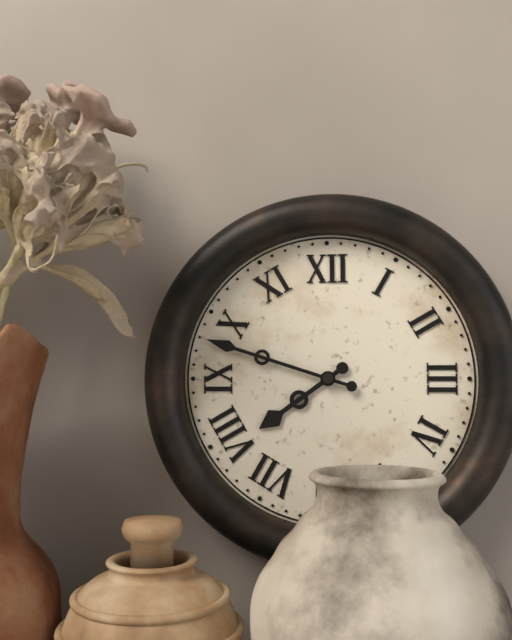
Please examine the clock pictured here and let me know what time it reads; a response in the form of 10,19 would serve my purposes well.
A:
7,48
